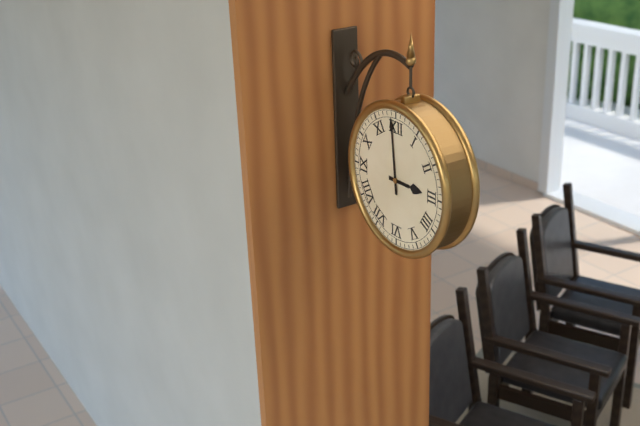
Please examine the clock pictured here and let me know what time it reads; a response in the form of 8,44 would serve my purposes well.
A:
2,59
